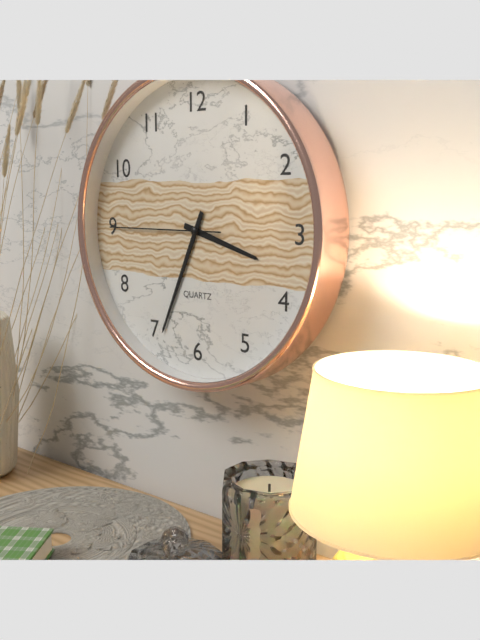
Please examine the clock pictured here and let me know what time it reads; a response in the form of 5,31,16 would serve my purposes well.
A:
3,34,45
